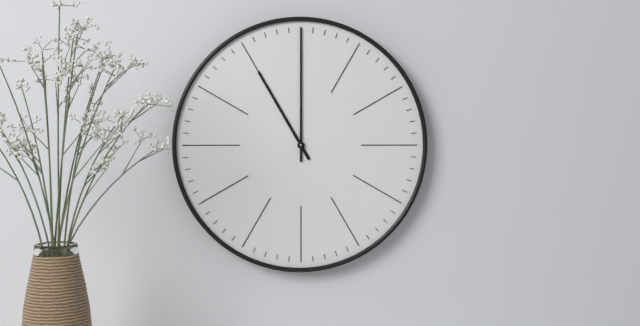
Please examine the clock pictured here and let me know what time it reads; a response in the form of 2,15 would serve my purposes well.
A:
11,00
